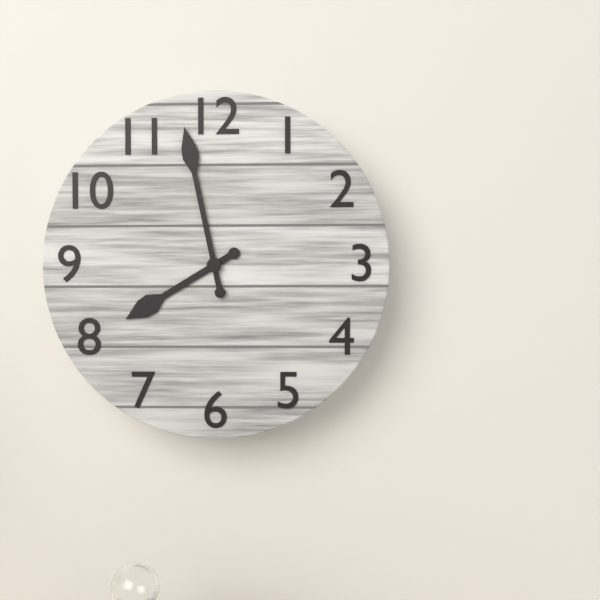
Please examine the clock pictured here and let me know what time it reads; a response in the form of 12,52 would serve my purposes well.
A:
7,58
